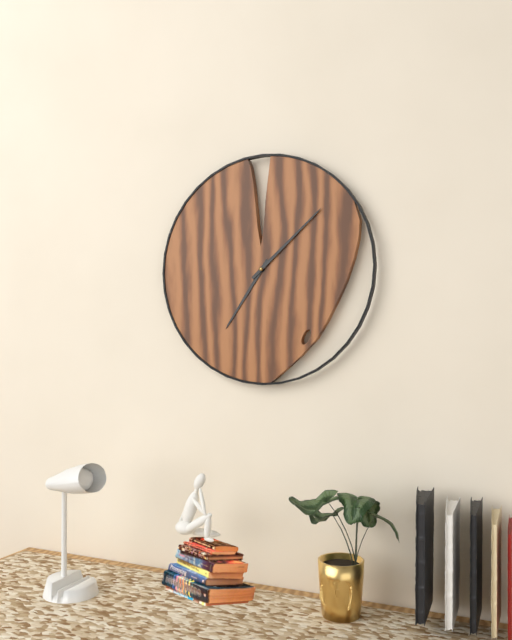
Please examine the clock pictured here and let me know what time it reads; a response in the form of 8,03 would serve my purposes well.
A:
7,08
